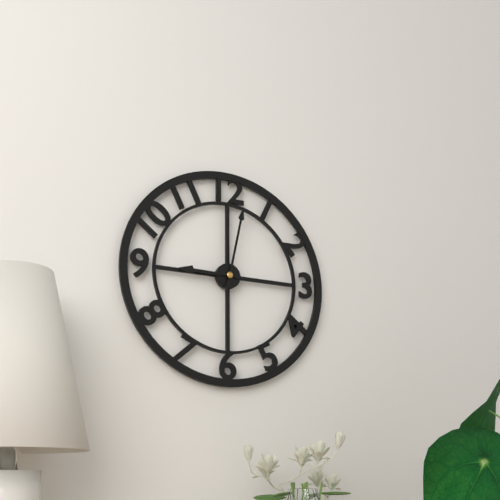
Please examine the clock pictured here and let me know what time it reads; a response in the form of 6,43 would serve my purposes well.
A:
9,02
